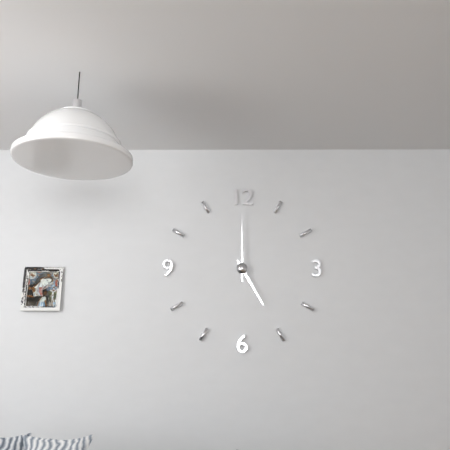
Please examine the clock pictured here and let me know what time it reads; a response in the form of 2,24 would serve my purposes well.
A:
5,00
